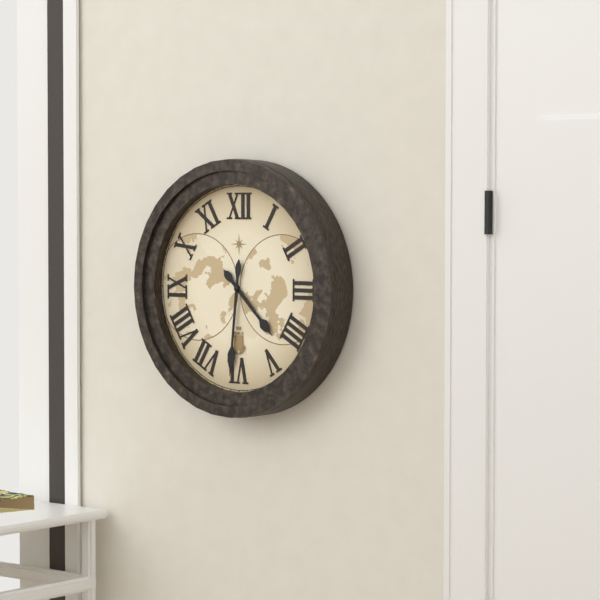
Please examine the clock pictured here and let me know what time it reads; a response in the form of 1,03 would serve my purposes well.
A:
4,31
